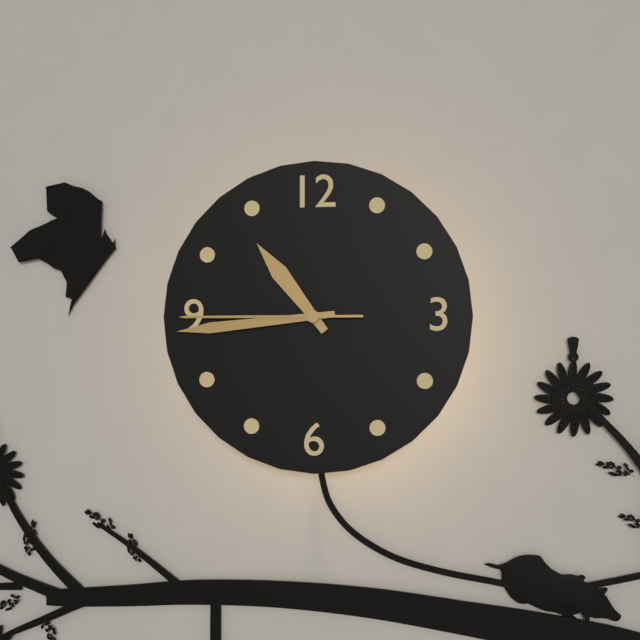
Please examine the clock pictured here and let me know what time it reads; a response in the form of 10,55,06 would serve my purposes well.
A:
10,44,45
